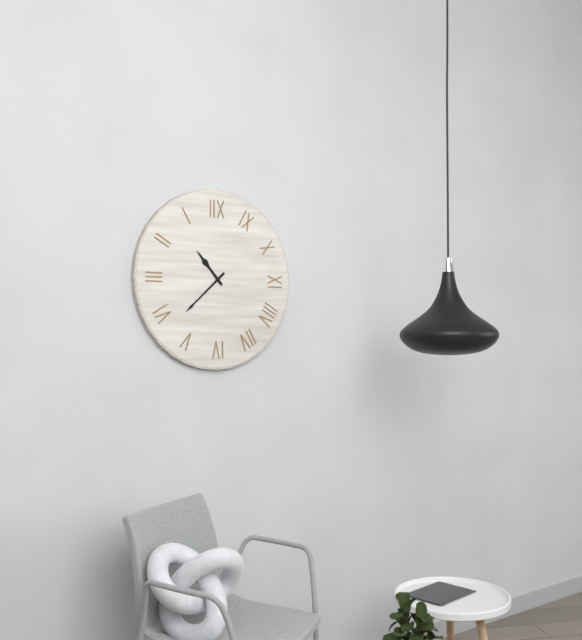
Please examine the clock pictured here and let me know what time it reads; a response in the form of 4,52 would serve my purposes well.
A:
10,38
